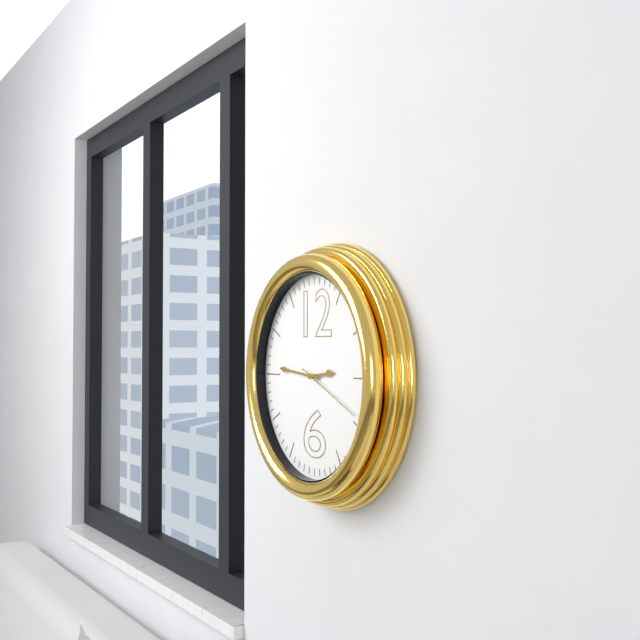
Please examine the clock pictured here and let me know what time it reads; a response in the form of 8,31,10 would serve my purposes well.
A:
2,46,19
